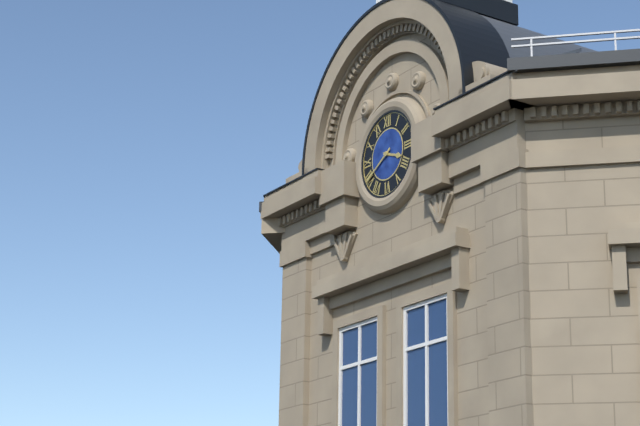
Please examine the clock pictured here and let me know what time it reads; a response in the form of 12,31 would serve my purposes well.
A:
3,40
